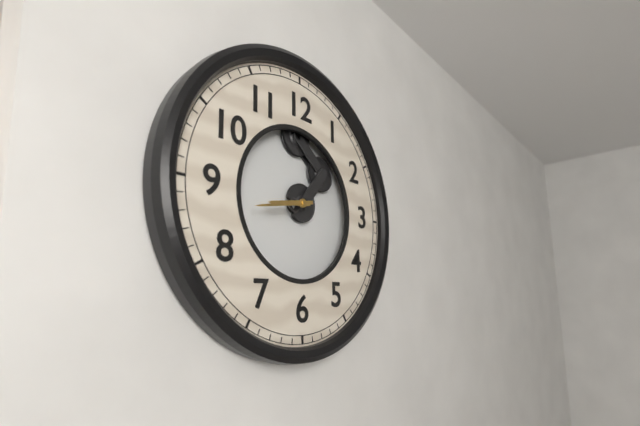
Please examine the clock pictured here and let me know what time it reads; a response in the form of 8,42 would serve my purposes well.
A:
8,43
